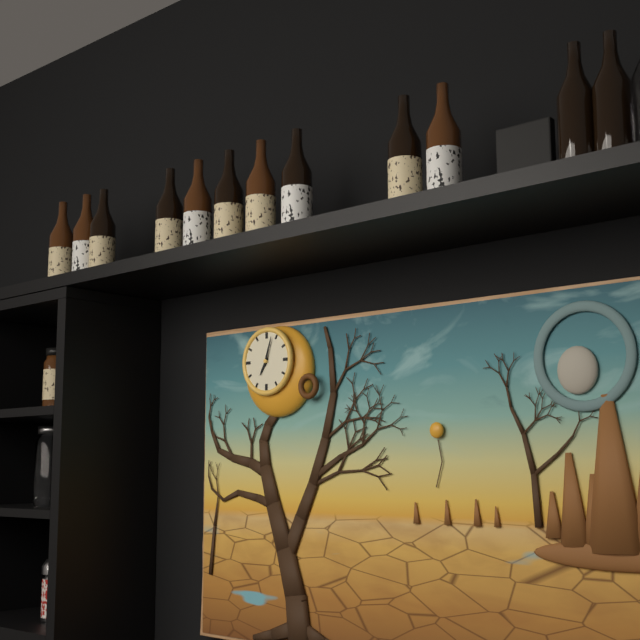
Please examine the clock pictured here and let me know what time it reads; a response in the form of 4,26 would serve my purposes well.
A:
7,03
